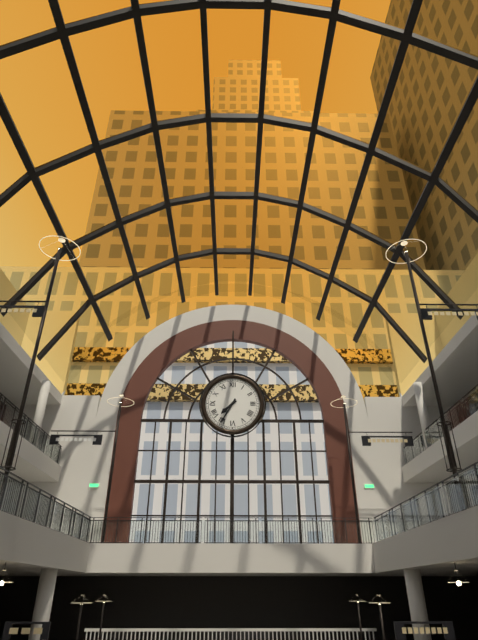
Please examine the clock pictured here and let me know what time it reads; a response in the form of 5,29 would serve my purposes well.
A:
7,35
